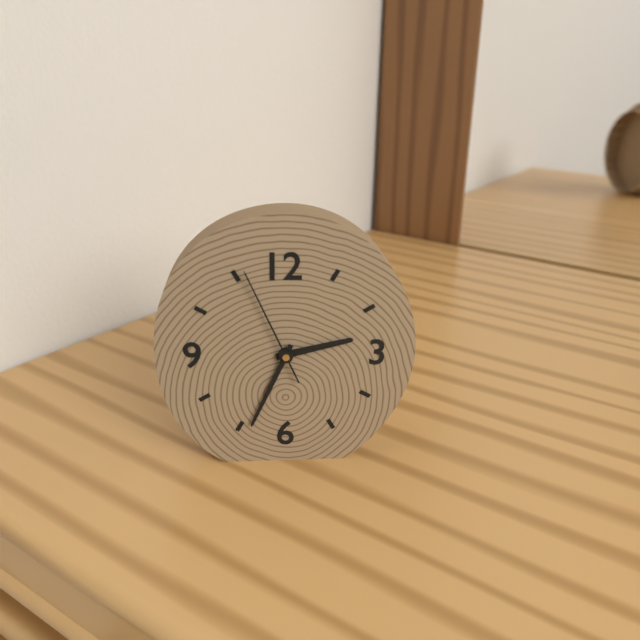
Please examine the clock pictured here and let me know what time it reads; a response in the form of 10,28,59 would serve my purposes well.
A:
2,34,56
